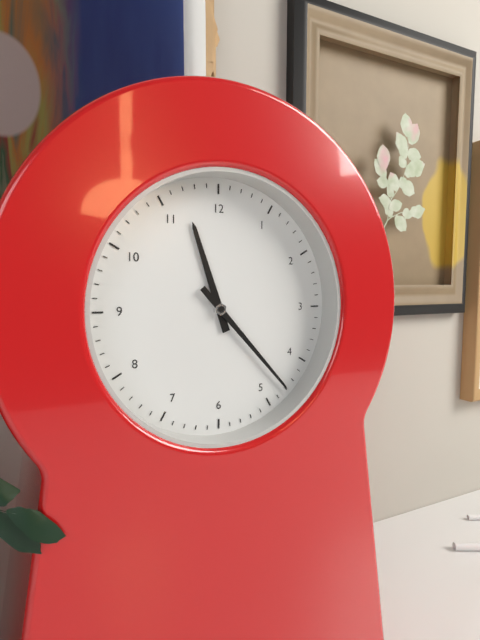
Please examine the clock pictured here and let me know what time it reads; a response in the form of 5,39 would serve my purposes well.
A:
11,23
